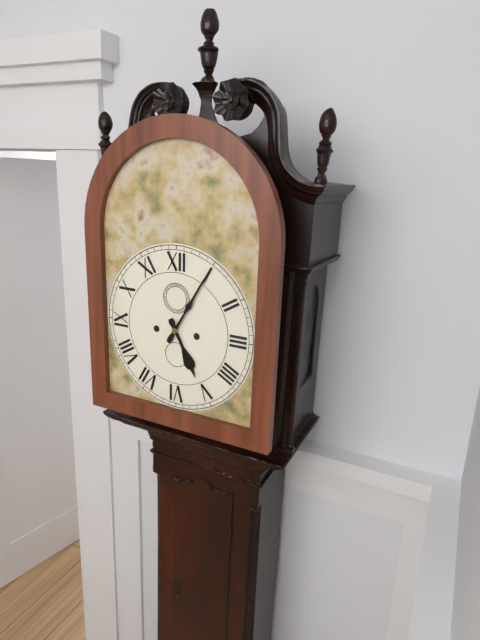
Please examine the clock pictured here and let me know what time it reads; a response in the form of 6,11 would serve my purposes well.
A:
5,05
